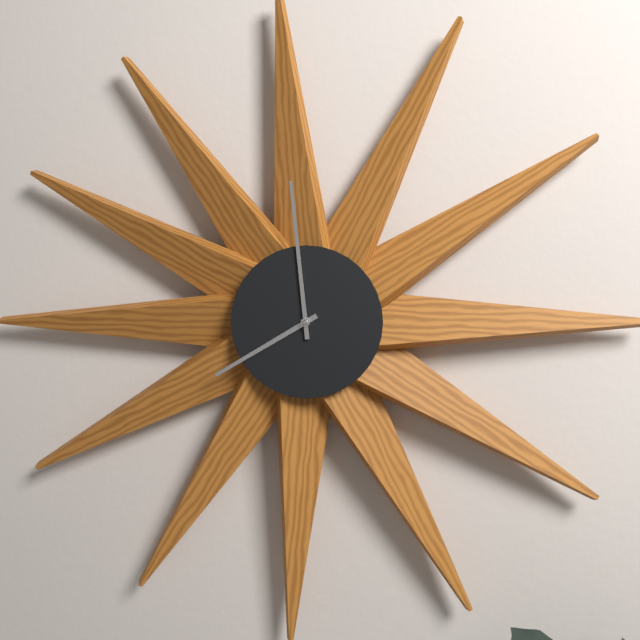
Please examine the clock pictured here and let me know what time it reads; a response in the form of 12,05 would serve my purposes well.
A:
7,59
